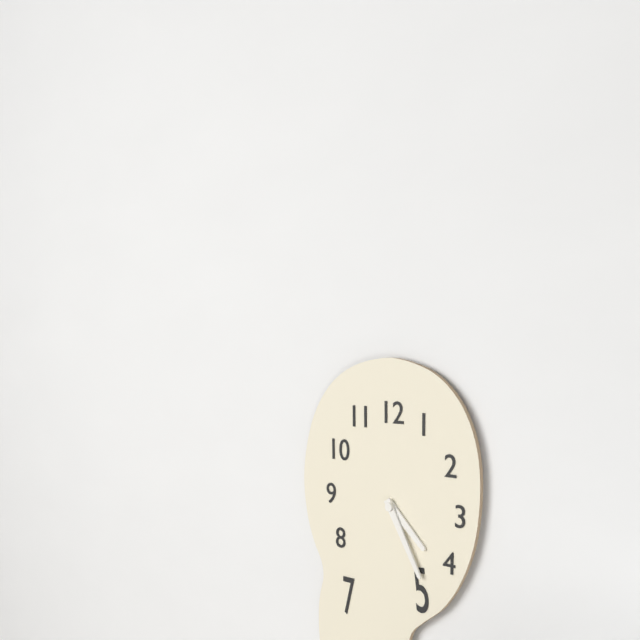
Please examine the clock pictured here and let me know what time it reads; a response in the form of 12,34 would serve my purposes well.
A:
4,25
